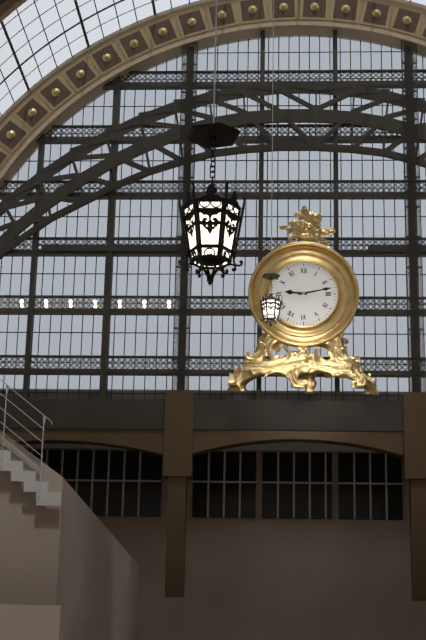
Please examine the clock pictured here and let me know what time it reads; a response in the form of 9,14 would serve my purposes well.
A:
9,13
